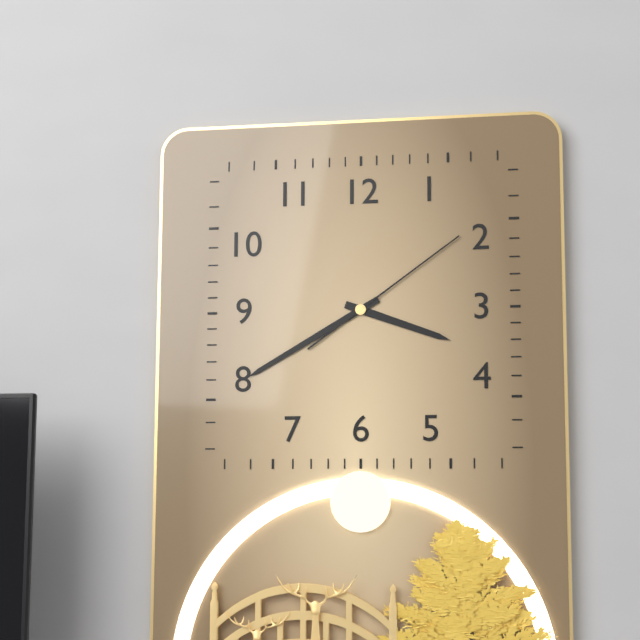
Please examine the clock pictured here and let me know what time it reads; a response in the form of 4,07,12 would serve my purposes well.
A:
3,40,09
